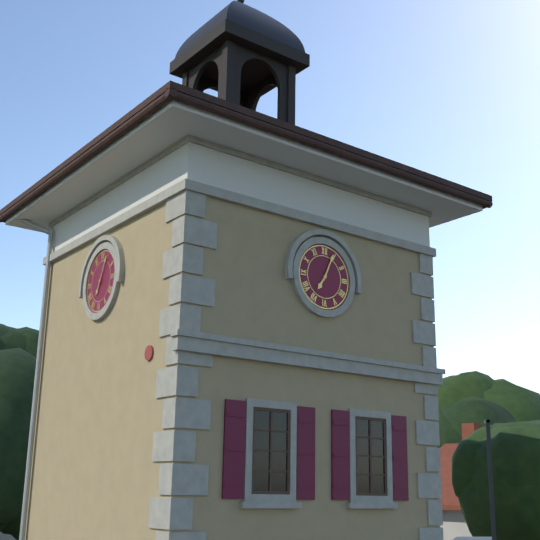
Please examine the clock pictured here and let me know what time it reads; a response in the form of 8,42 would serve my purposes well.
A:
7,04
